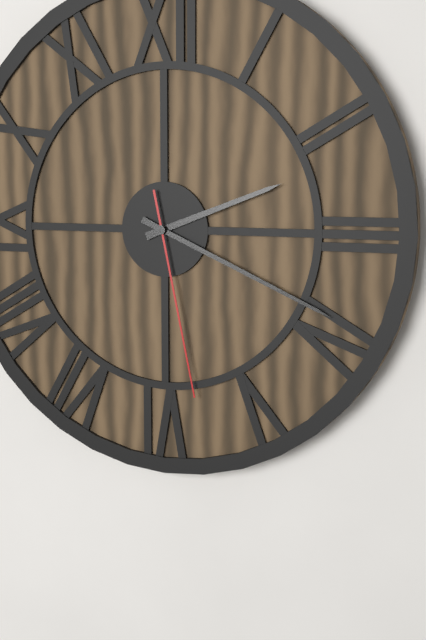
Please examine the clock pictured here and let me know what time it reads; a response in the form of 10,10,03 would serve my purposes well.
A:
2,19,28
